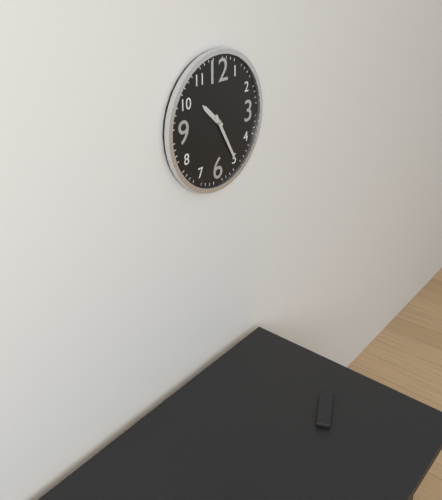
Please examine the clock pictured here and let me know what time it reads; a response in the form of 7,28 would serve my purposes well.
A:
10,25
